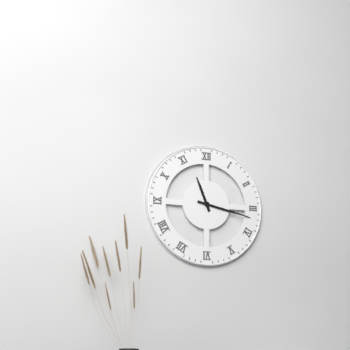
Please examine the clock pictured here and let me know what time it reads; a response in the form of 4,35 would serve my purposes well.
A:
11,17
